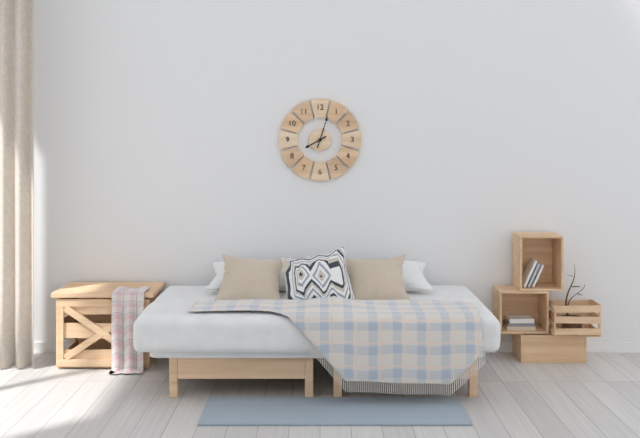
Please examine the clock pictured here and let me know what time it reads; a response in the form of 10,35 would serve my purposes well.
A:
8,03
